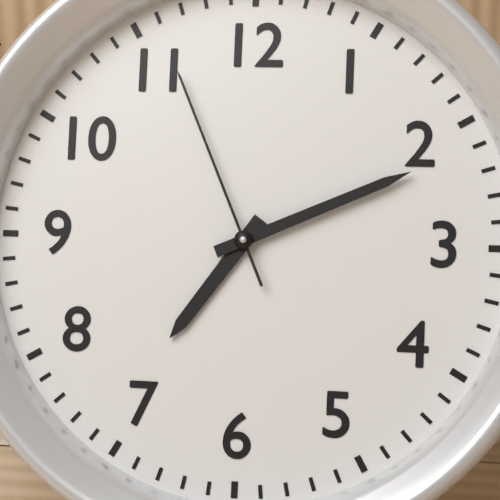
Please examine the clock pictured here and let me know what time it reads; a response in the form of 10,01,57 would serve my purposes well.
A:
7,11,56
